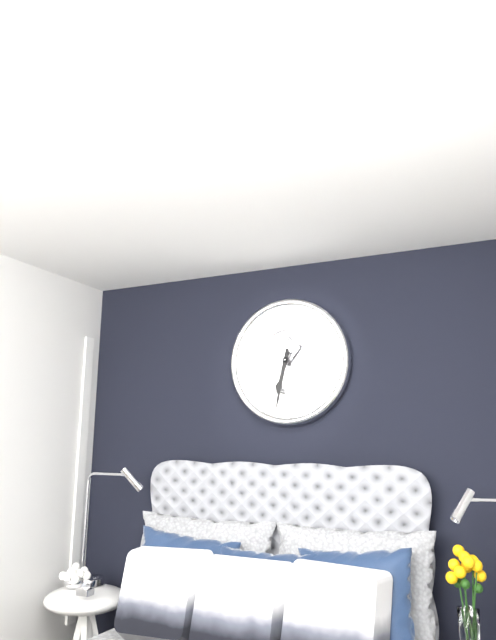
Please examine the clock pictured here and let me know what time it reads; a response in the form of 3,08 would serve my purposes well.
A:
6,32
